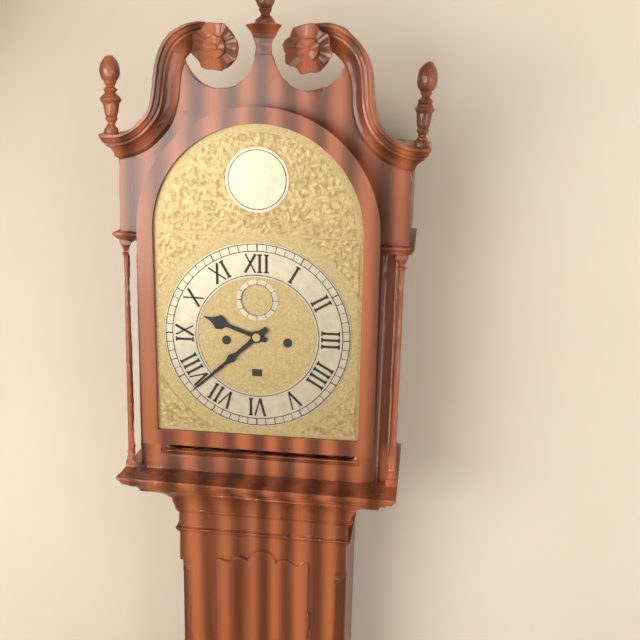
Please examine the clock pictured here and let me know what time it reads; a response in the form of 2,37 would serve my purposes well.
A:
9,38
